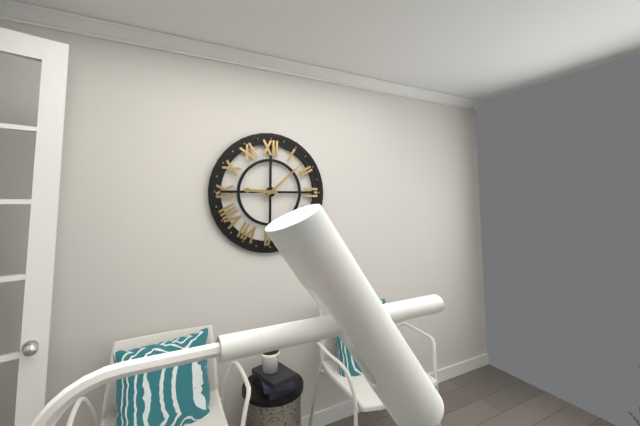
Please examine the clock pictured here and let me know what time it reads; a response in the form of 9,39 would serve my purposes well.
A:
9,08
